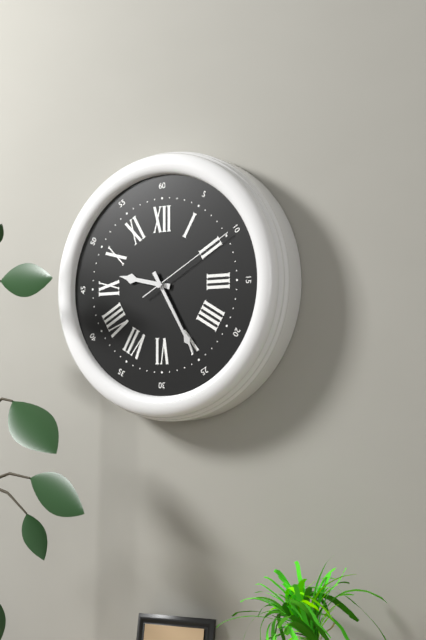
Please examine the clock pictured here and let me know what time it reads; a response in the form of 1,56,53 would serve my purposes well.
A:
9,25,10
